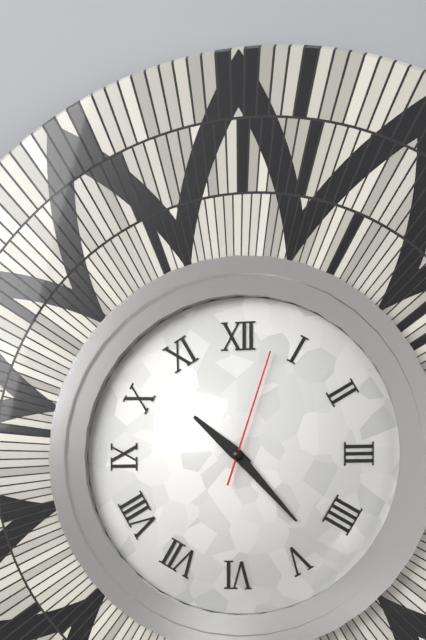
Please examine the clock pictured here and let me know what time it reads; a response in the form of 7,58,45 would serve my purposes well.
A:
10,23,03
